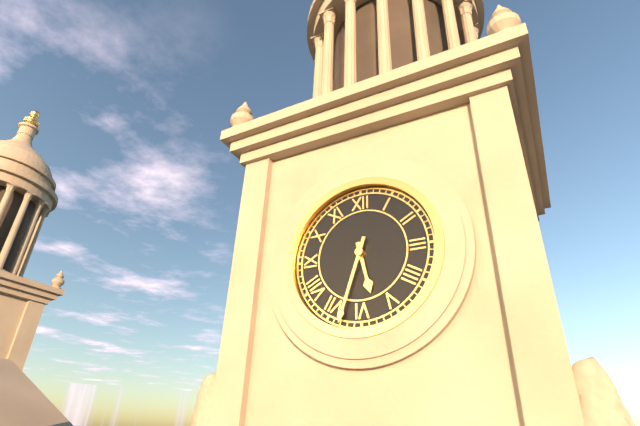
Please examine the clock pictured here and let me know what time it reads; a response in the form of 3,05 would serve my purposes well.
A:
5,33
